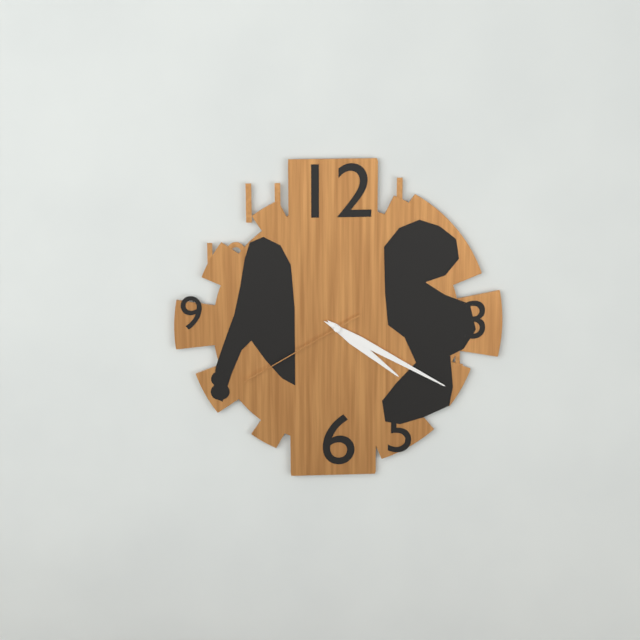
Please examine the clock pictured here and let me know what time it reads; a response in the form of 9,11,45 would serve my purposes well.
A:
4,20,40
